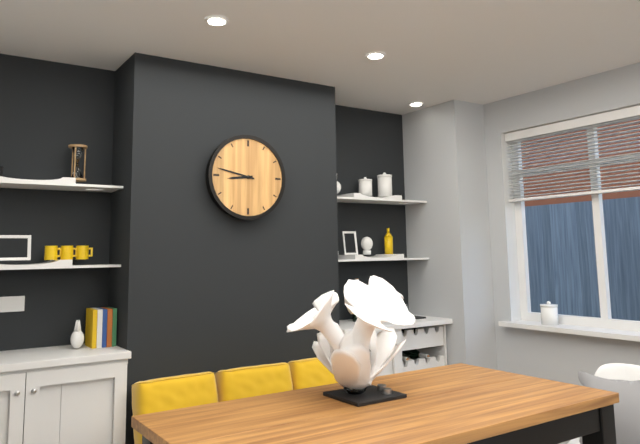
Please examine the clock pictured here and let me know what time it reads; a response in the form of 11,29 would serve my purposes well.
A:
8,47
